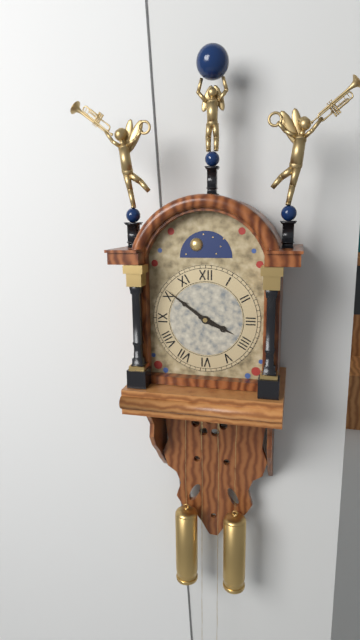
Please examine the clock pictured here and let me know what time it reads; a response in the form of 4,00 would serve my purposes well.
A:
3,51
